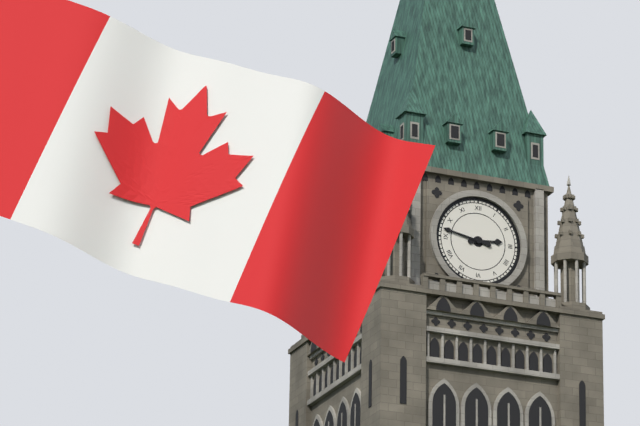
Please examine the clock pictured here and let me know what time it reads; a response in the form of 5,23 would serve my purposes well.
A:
2,47
